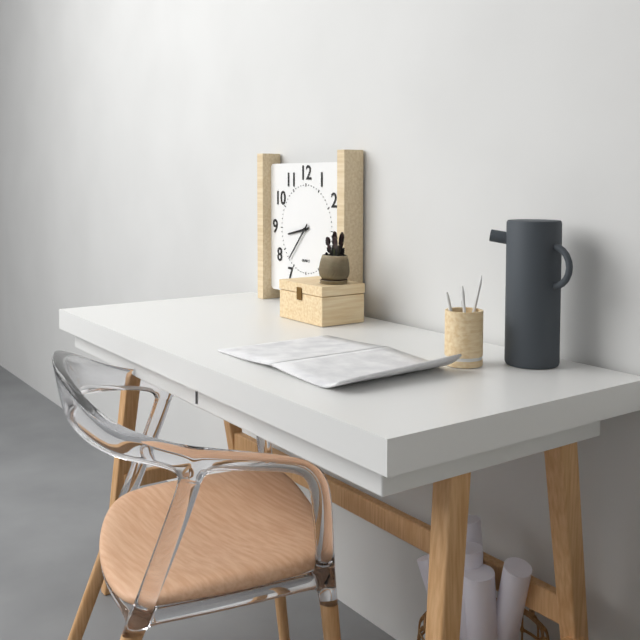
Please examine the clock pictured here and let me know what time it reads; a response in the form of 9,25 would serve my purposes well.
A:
8,37
